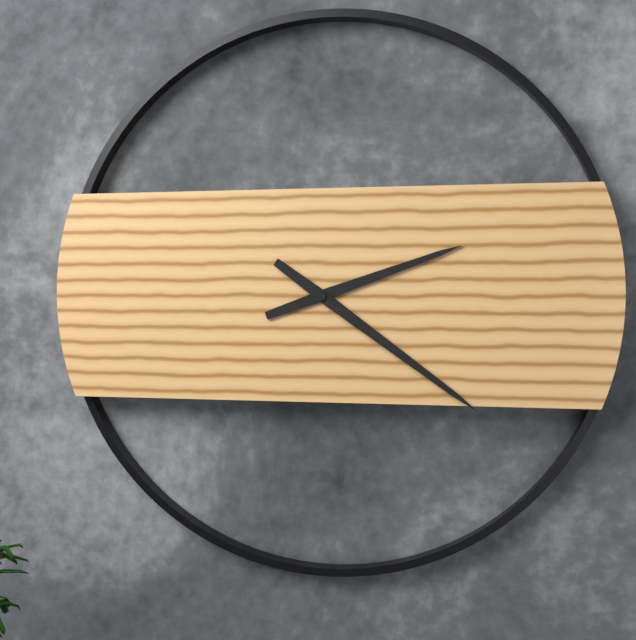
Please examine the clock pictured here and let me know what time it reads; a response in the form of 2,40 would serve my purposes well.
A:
2,21
